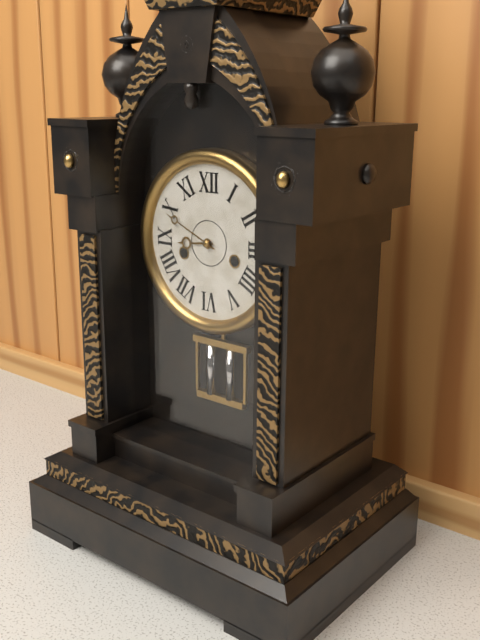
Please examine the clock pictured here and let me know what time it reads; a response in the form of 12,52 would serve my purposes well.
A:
8,49
